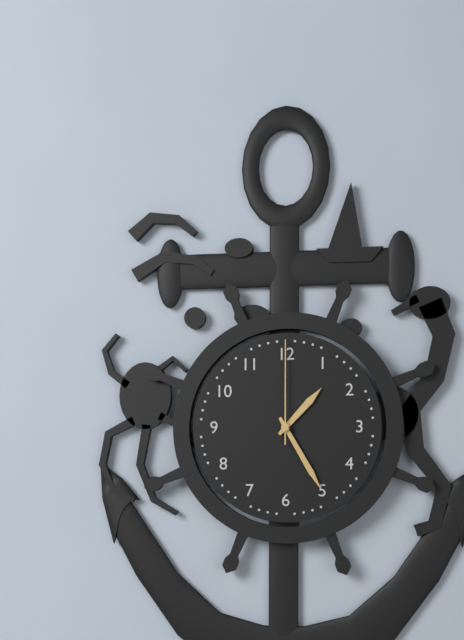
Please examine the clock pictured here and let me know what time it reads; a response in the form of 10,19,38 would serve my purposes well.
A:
1,25,00
